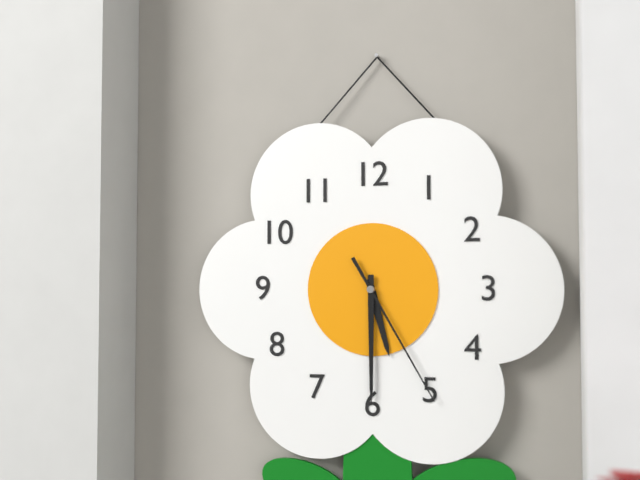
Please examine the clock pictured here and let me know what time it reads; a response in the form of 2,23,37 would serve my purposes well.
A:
5,30,25
